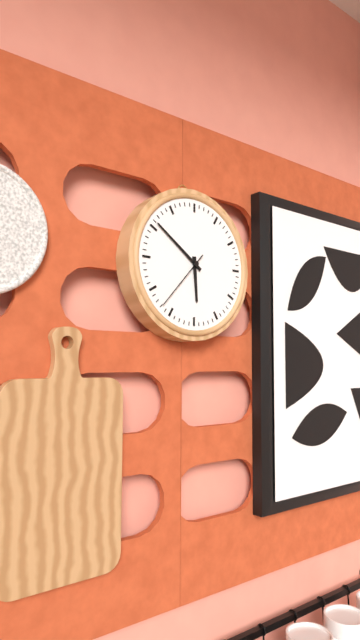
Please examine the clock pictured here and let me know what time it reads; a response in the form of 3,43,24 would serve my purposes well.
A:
5,51,37
